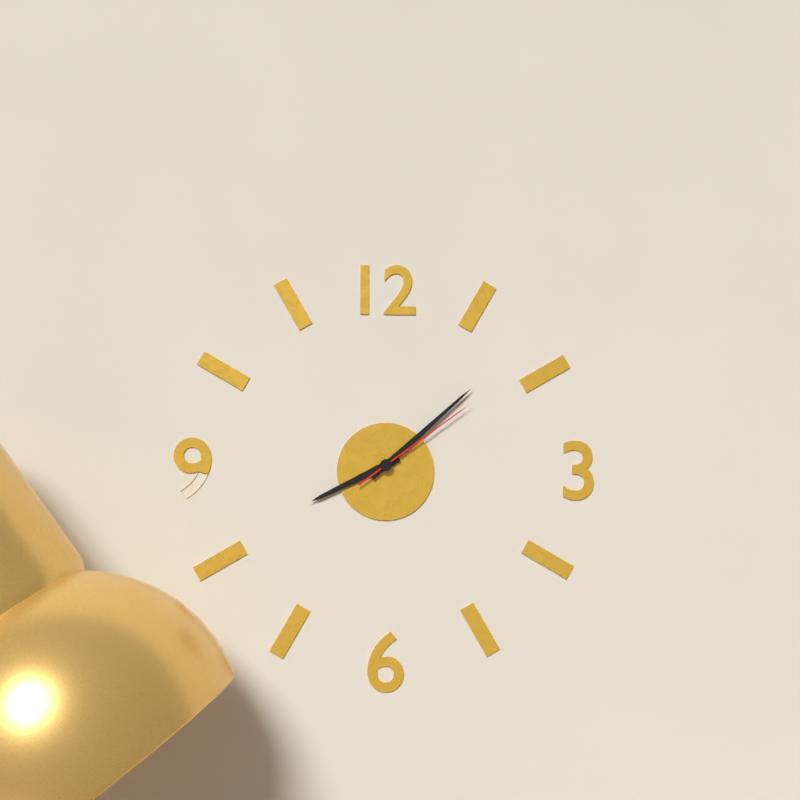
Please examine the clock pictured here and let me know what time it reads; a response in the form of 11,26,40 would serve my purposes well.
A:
8,08,09
